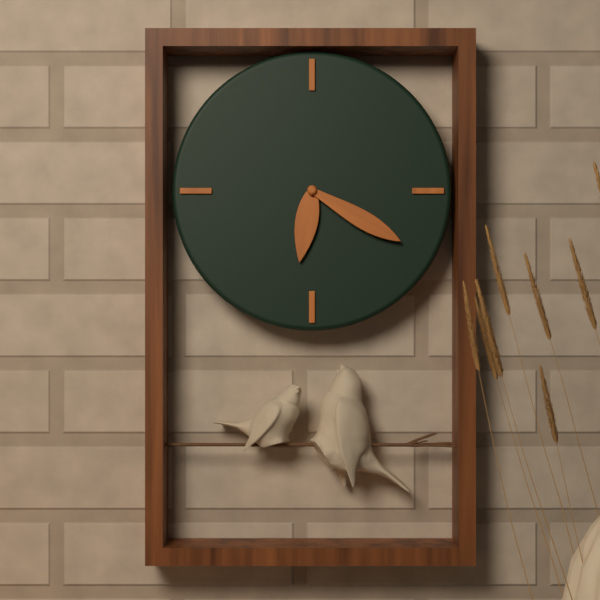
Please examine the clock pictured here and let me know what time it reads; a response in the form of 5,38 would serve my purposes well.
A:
6,20
